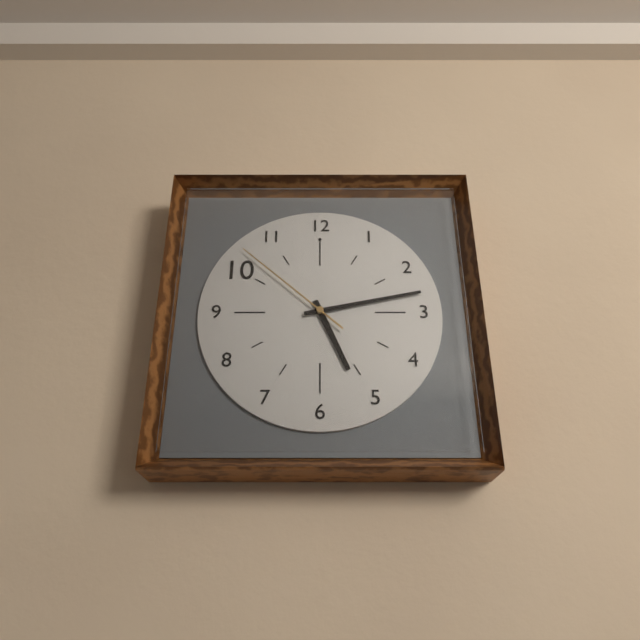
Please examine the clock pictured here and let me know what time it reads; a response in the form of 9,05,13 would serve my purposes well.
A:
5,13,52
